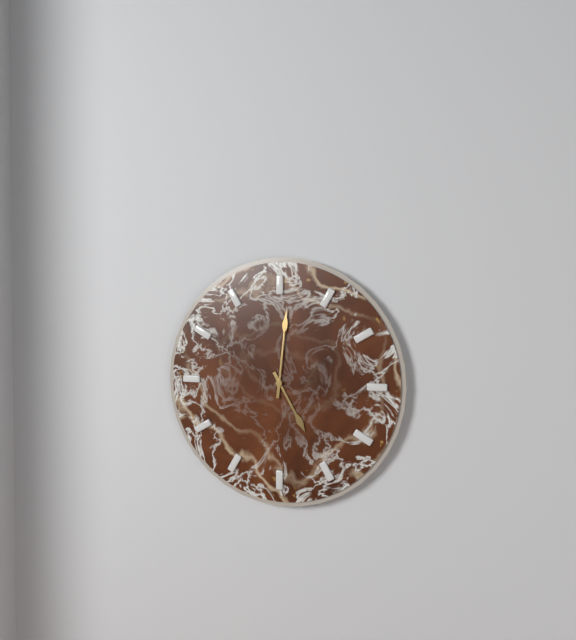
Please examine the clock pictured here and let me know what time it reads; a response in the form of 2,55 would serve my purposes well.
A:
5,01
